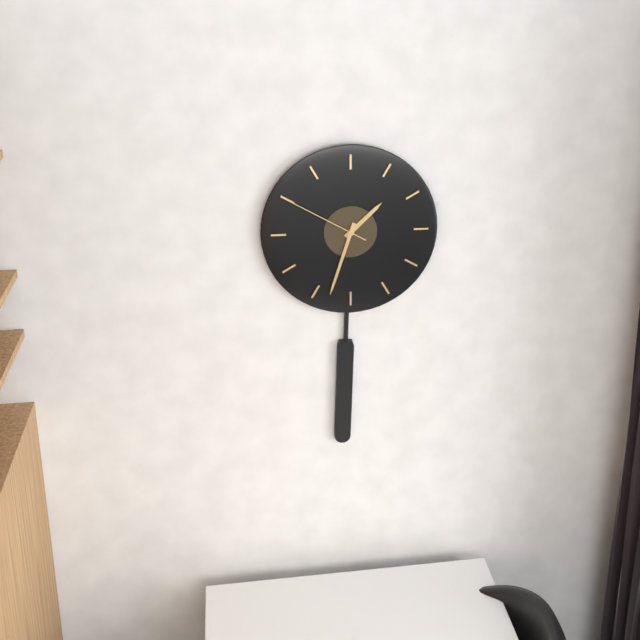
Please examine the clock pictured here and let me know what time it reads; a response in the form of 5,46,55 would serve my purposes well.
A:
1,33,50
